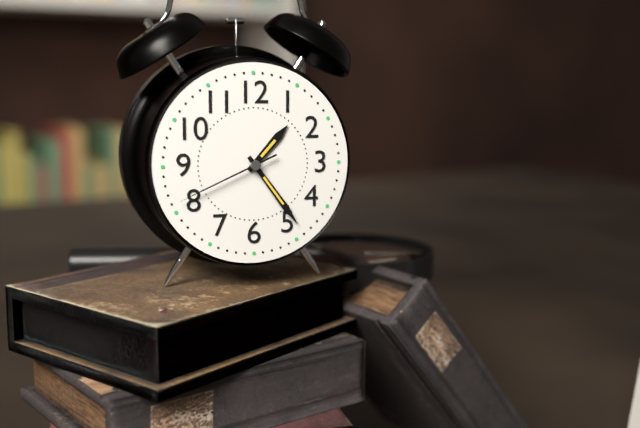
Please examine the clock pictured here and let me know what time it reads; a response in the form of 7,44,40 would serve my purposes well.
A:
1,24,41
